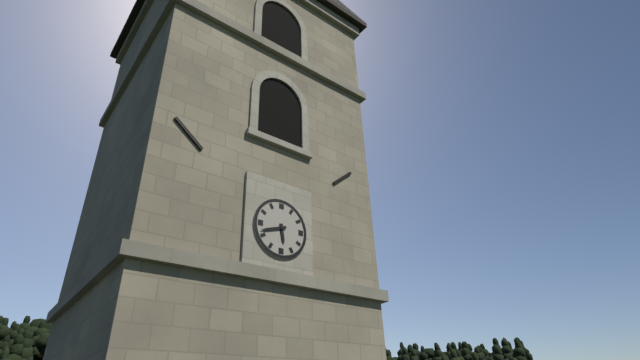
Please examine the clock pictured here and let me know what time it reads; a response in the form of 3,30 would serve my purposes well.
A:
5,42
